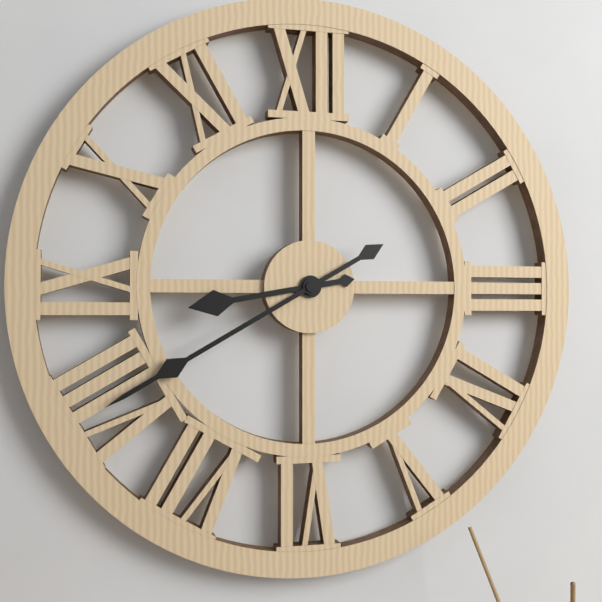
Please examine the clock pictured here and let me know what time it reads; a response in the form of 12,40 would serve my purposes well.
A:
8,40
